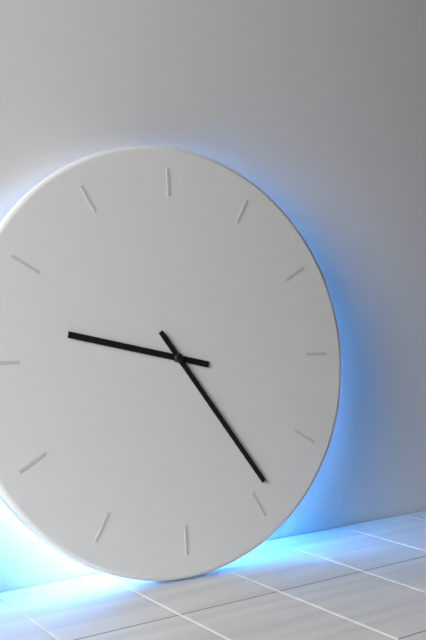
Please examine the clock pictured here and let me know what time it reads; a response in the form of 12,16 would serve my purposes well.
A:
9,24
